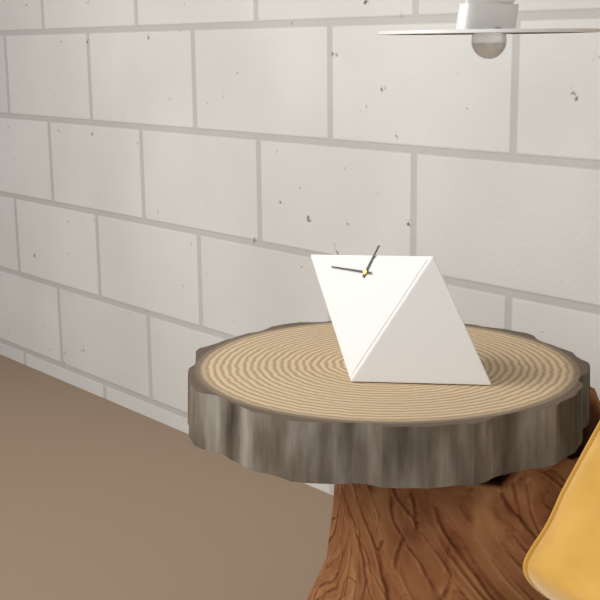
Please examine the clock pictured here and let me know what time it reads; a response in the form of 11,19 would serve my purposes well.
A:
12,46
